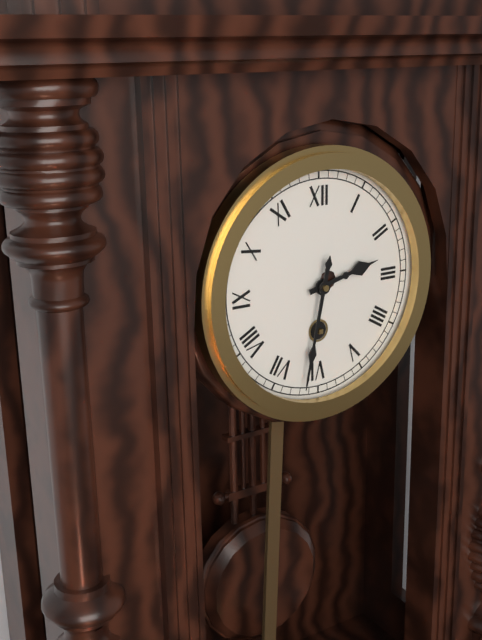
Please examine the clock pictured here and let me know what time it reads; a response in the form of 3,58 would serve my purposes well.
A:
2,32
